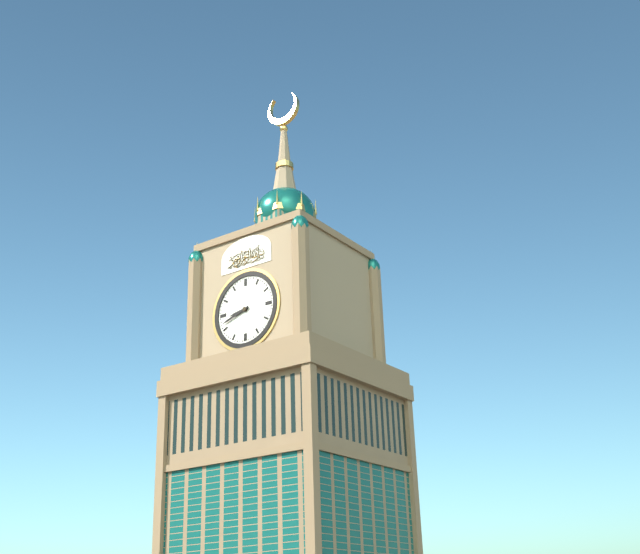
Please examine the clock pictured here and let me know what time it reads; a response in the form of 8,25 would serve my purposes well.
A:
8,42
